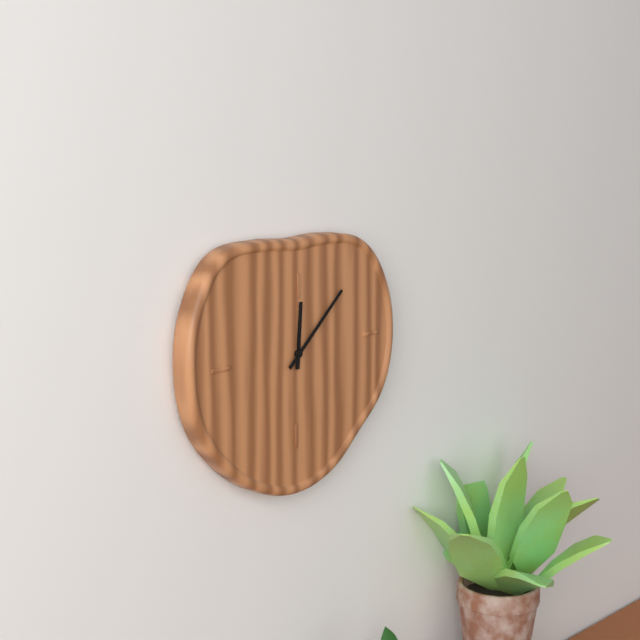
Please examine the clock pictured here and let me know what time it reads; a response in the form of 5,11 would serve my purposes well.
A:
12,08
